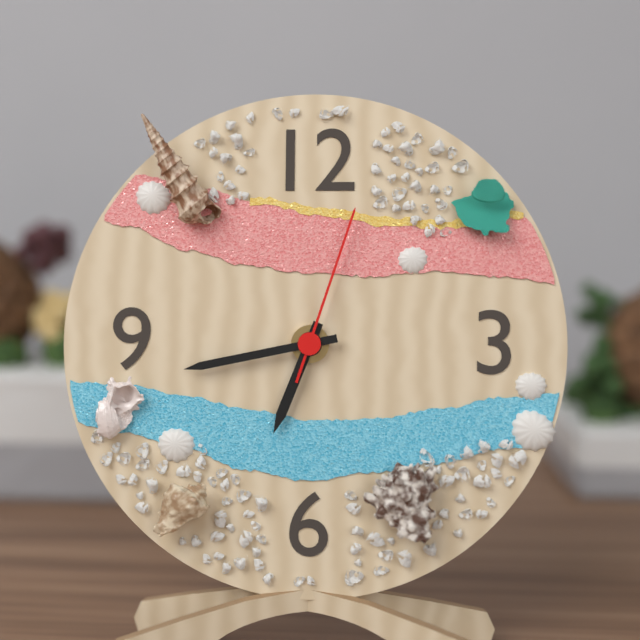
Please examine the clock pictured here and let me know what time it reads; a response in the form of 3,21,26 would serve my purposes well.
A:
6,43,03
